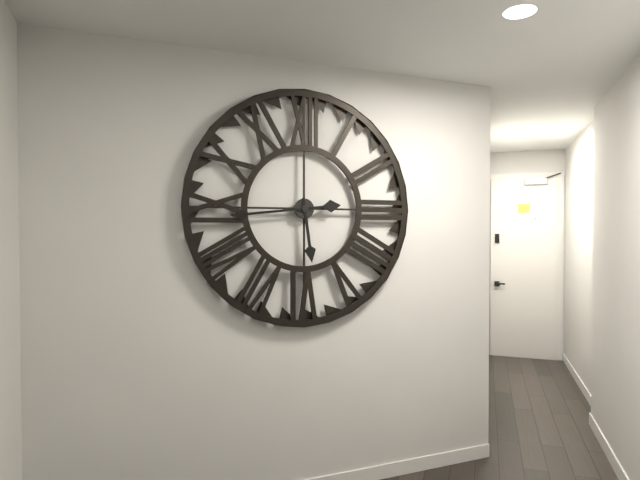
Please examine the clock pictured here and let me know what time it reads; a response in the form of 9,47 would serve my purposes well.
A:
5,44
